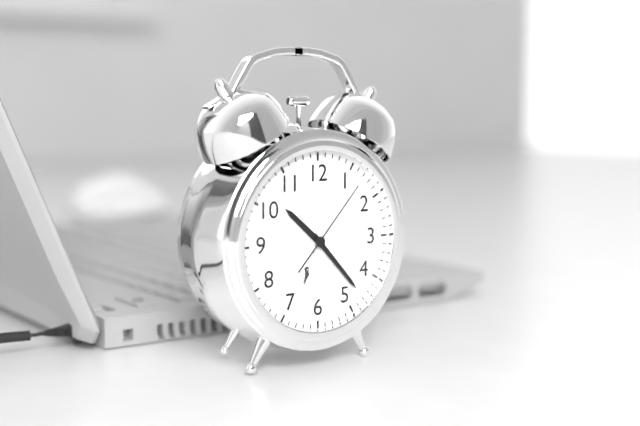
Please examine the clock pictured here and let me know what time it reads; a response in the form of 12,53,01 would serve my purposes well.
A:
10,23,07
